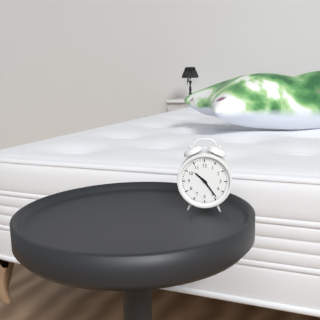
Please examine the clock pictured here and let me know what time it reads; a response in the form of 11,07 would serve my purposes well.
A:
10,24
